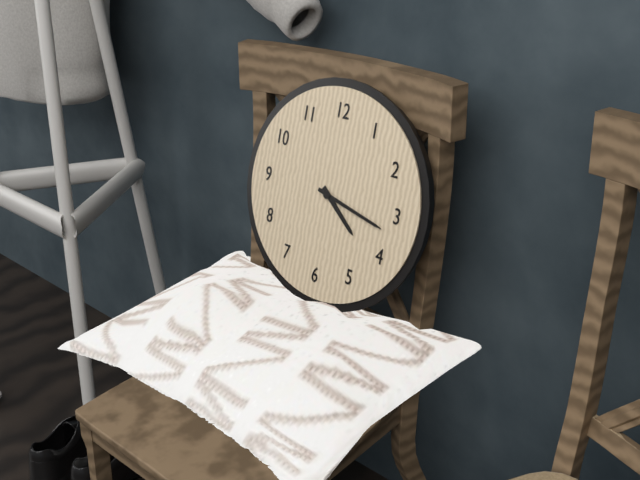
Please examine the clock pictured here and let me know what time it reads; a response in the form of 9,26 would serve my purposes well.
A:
4,17
